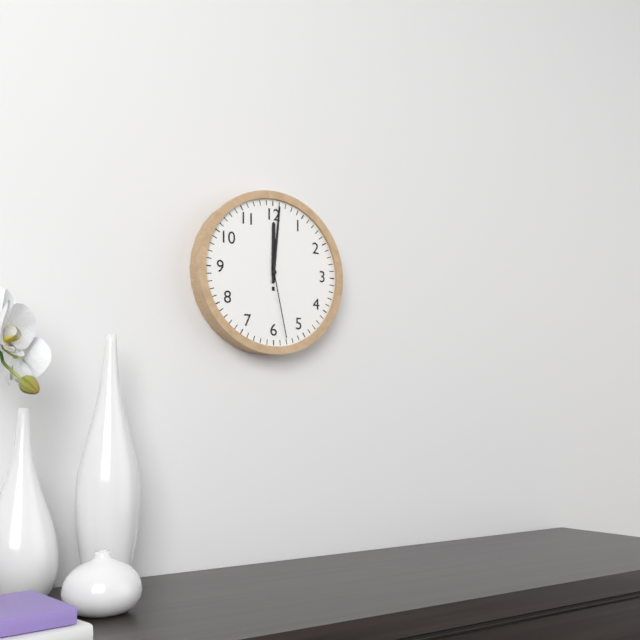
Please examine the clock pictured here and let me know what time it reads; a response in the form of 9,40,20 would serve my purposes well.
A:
12,01,28
